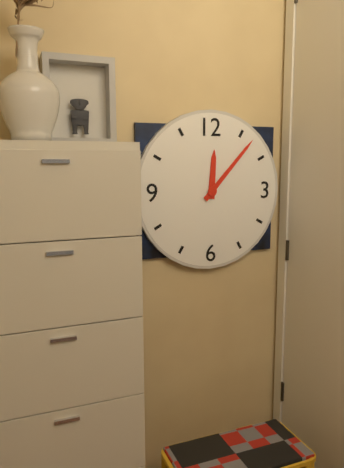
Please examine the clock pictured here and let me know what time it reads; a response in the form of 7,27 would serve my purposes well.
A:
12,07
